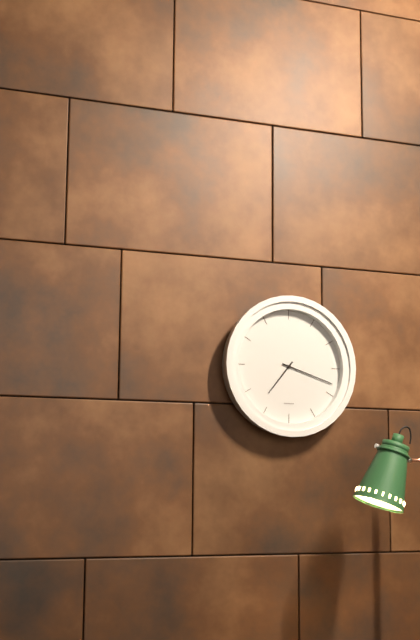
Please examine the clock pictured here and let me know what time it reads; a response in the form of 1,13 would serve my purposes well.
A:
7,18
